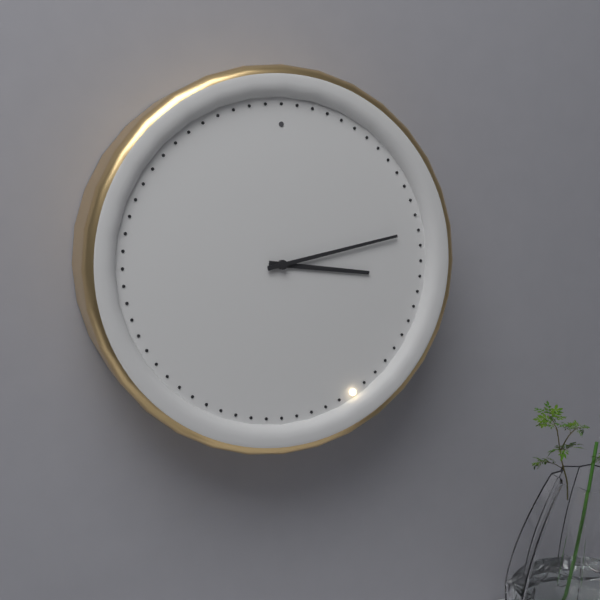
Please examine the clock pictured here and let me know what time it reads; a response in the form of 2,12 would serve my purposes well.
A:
3,13
